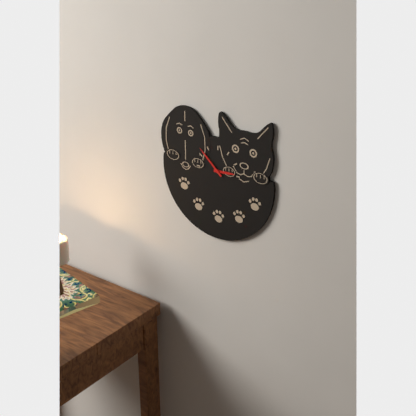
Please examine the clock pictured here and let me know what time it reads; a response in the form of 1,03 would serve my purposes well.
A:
2,52
